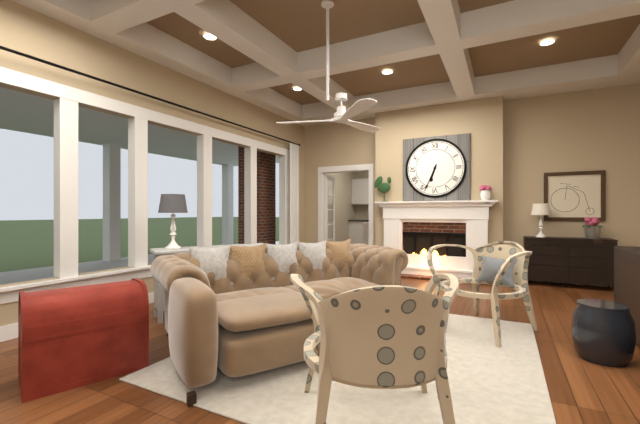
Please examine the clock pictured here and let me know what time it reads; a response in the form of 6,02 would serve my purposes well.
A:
6,34
